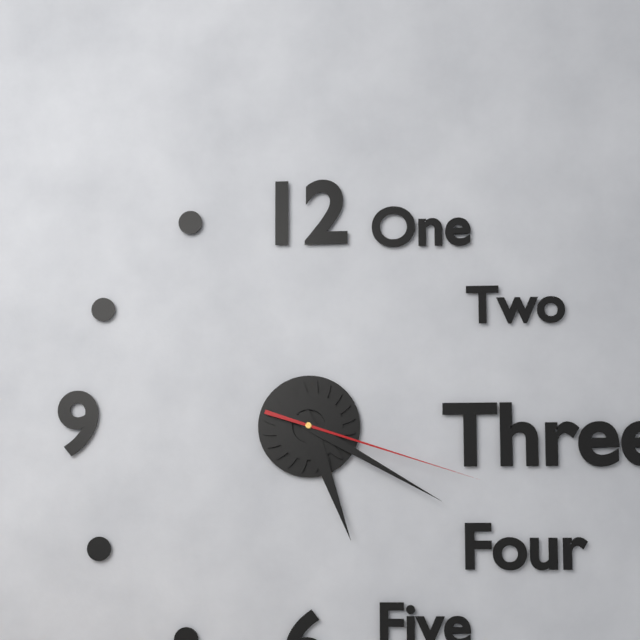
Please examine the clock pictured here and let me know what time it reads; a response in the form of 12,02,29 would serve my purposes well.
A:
5,20,18
